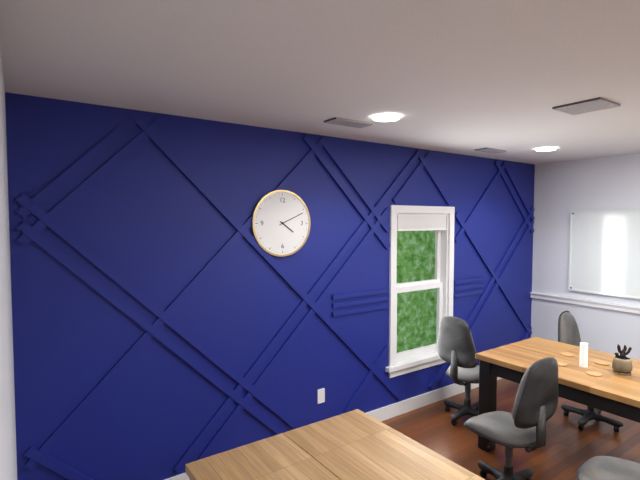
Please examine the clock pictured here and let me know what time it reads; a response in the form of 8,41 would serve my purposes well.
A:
4,11
